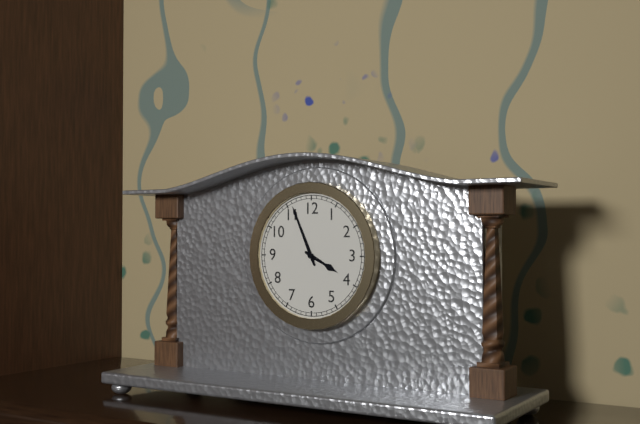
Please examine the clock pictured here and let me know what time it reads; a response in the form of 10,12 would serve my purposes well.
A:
3,56
